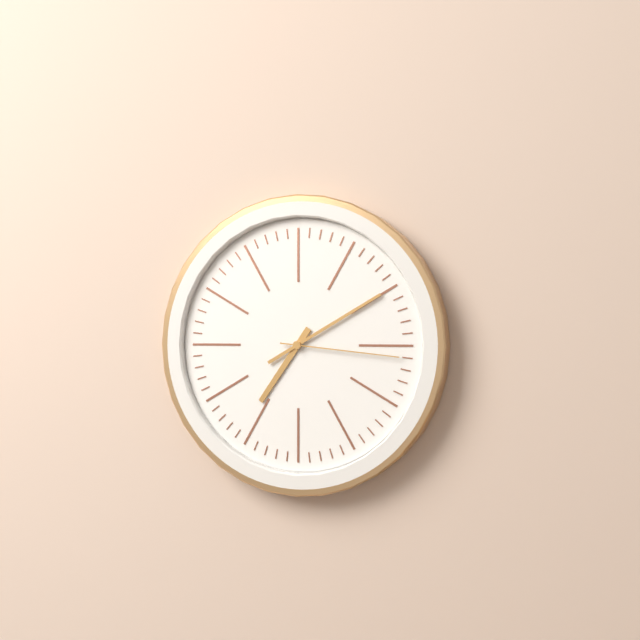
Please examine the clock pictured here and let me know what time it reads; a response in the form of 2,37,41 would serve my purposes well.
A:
7,10,16
